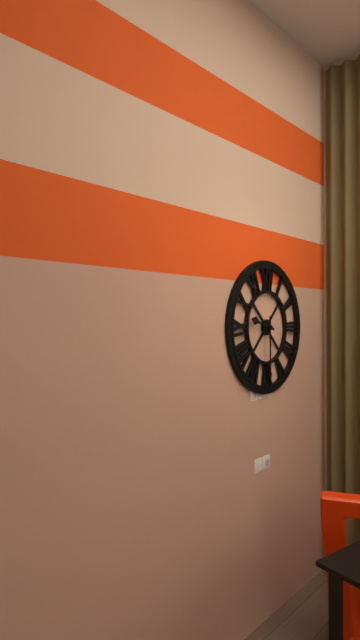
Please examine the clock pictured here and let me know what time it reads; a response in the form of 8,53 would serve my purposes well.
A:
9,30
